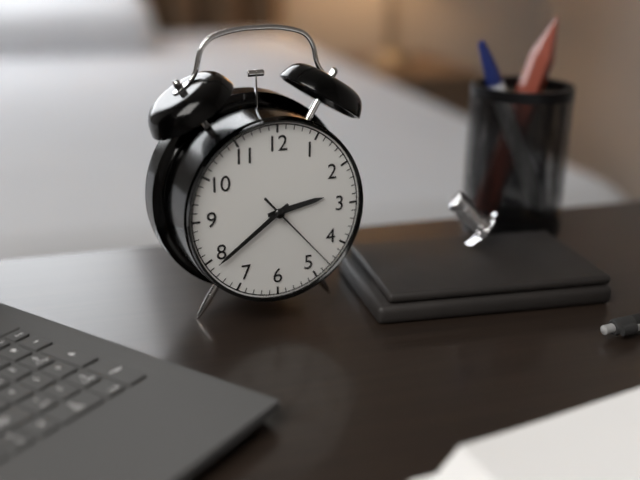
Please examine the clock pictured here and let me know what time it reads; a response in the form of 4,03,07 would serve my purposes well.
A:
2,39,23
